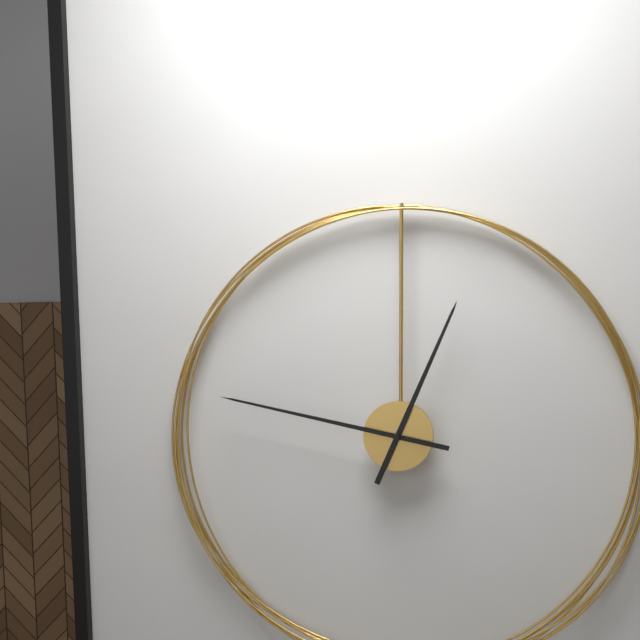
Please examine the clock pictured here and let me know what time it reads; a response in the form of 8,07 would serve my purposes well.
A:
12,47
